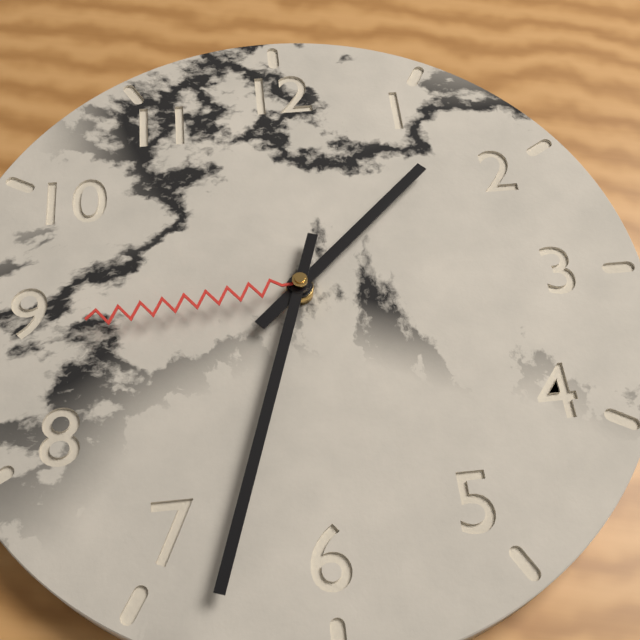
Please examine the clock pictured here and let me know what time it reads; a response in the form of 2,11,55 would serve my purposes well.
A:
1,33,44
